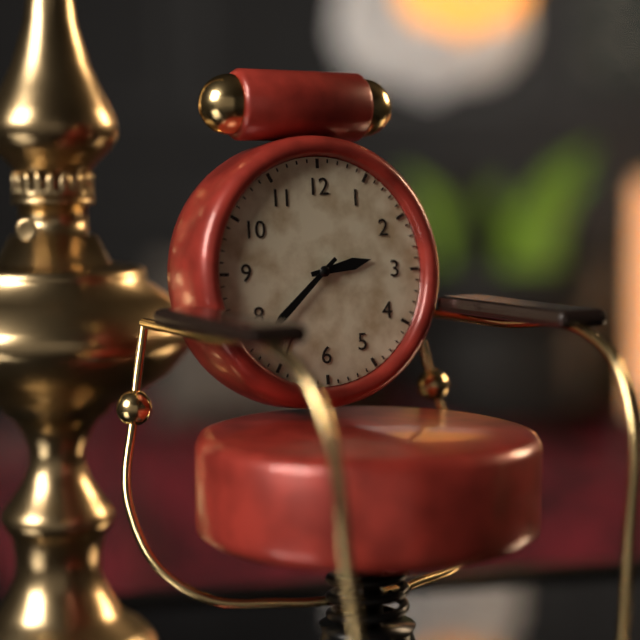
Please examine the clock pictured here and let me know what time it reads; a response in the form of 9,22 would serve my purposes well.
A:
2,38
